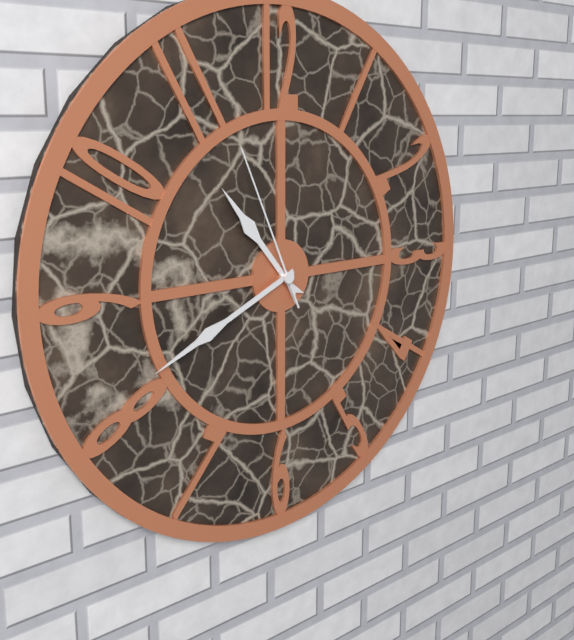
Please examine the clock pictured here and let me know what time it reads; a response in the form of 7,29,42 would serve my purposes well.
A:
10,41,56
